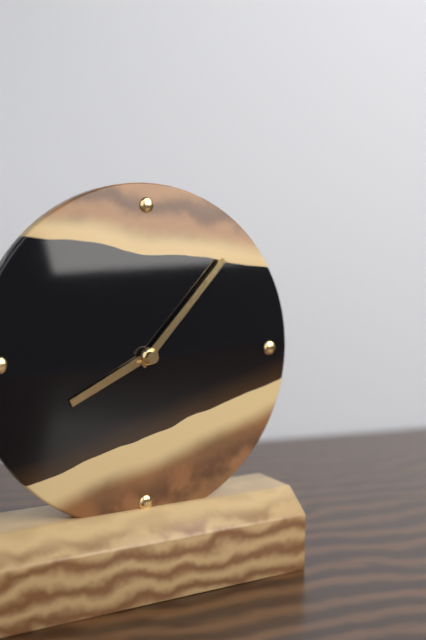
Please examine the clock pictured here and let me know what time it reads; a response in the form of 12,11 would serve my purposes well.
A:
8,07
